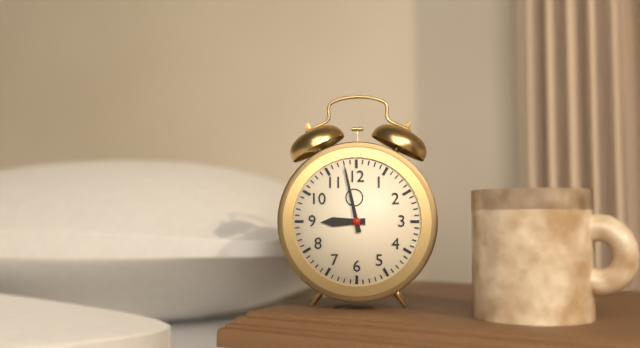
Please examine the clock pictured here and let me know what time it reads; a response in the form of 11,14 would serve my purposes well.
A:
8,58
